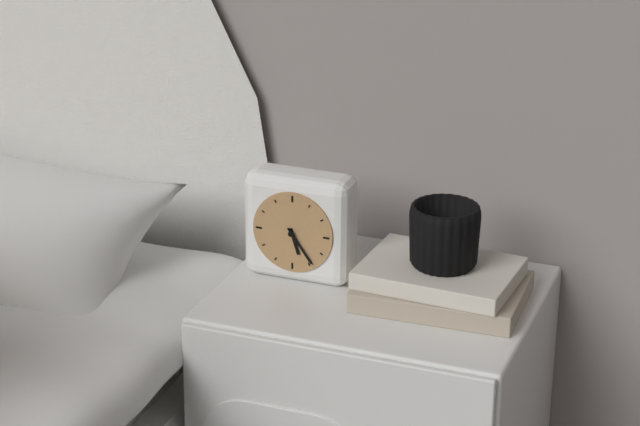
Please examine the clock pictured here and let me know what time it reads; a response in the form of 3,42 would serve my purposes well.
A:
5,24
